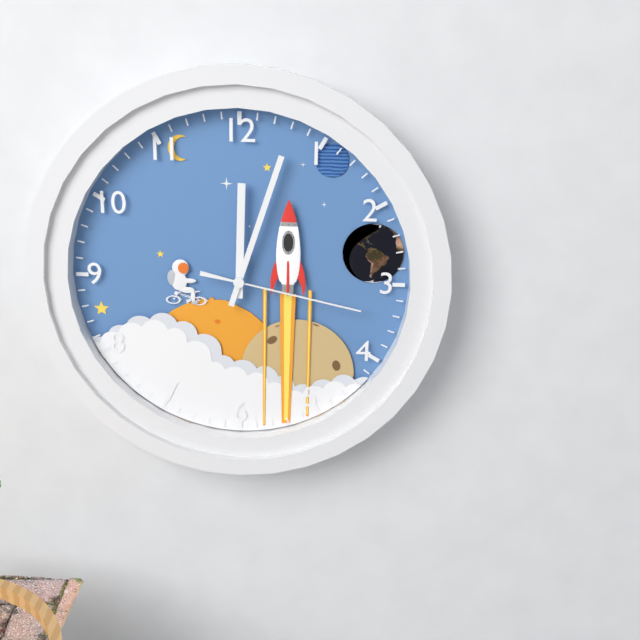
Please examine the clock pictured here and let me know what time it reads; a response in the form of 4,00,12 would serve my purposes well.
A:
12,03,17
